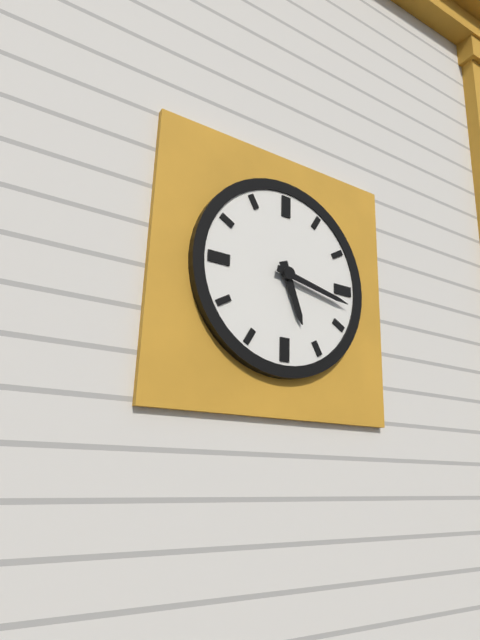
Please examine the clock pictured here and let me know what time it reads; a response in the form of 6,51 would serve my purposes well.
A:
5,17
